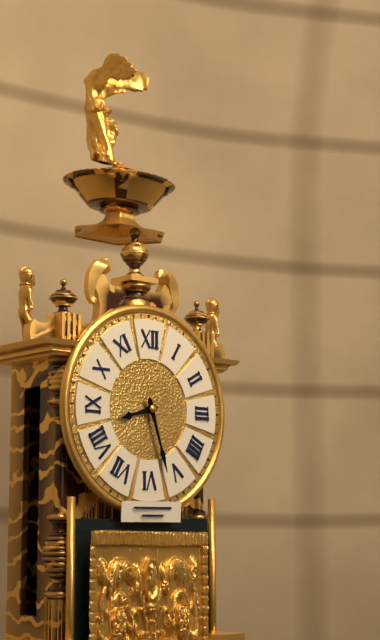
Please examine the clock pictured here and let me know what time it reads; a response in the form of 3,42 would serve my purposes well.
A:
8,27
